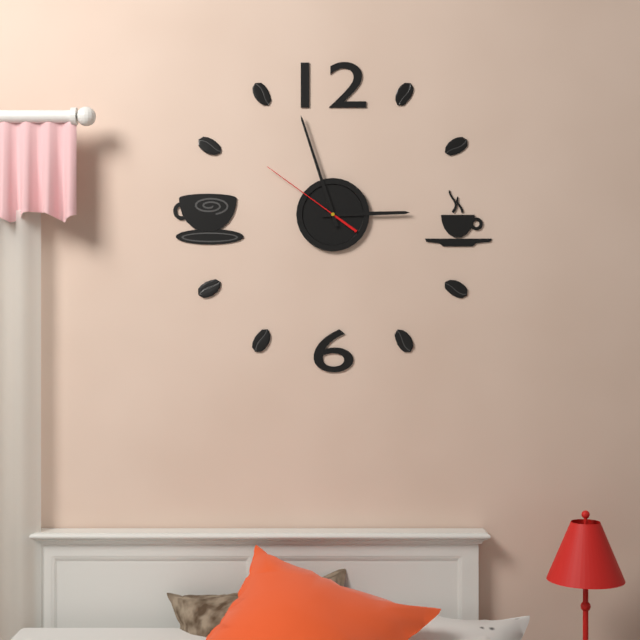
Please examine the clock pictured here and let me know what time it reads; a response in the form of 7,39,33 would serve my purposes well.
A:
2,57,51
